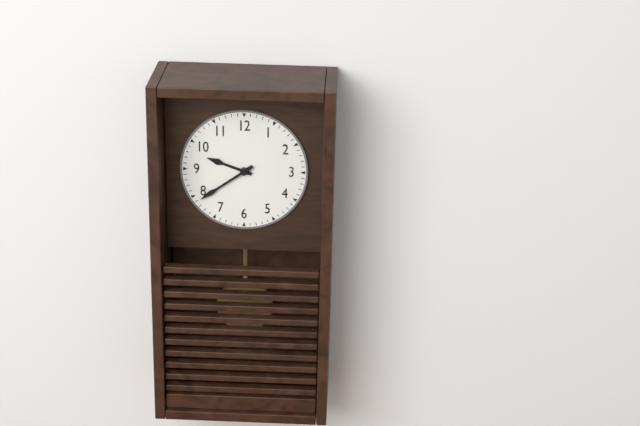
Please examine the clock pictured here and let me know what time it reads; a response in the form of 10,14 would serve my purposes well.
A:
9,39
